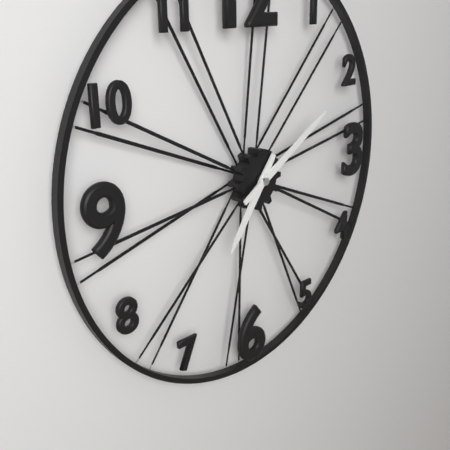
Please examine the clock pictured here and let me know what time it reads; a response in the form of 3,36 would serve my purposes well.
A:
7,10
